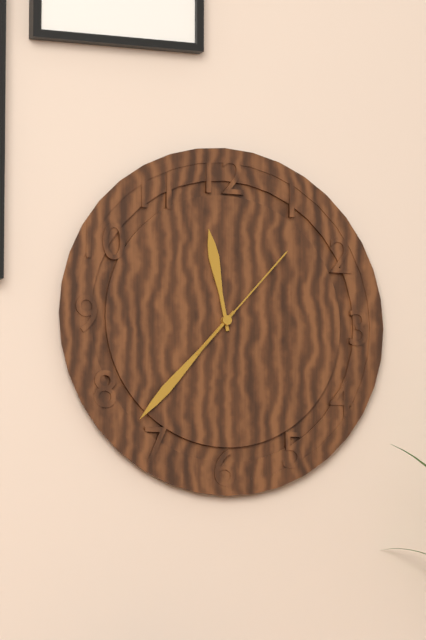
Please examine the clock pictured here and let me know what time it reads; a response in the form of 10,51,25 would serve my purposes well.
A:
11,37,07
